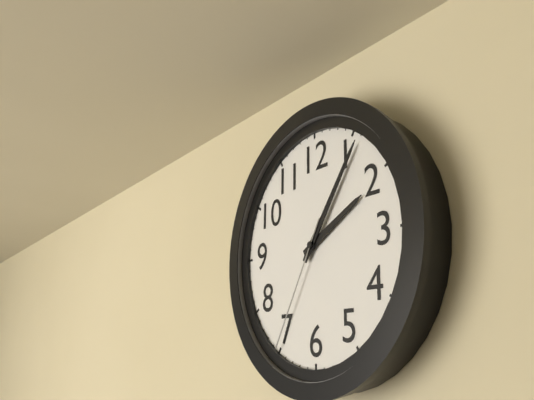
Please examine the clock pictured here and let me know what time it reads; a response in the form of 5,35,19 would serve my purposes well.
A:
2,06,35
